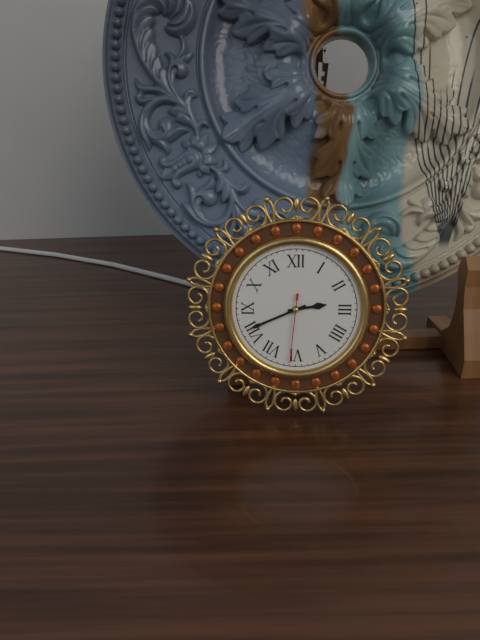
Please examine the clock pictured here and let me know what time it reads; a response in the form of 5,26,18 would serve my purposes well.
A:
2,41,31
